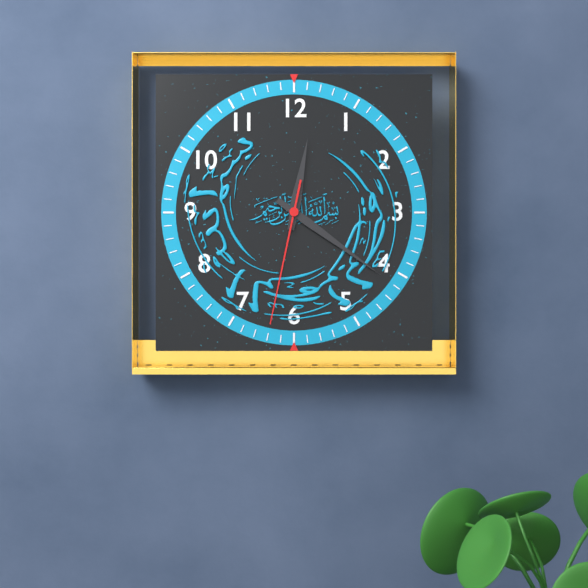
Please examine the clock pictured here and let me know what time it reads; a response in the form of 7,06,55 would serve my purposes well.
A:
12,21,32
